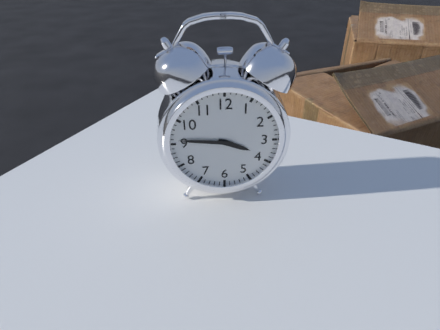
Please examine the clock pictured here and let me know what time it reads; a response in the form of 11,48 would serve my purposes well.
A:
3,46
